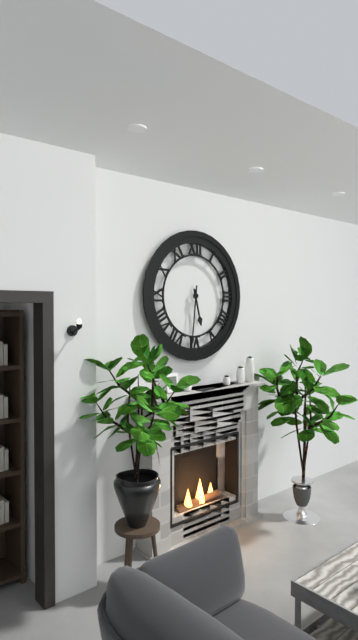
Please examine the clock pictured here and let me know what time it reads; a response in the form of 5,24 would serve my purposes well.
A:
5,31
